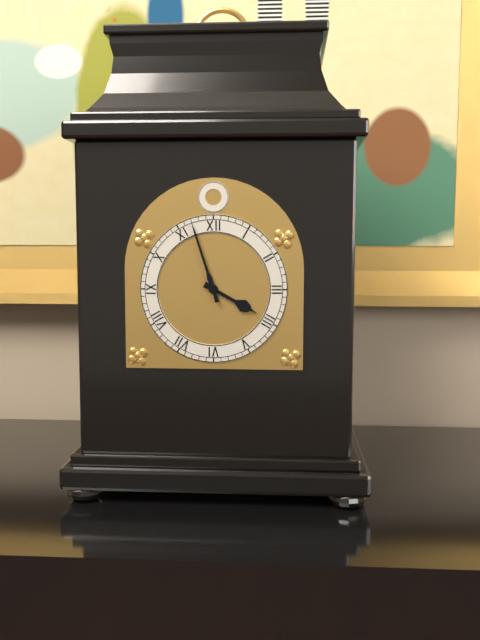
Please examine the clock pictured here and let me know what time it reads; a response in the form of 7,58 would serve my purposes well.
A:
3,57
